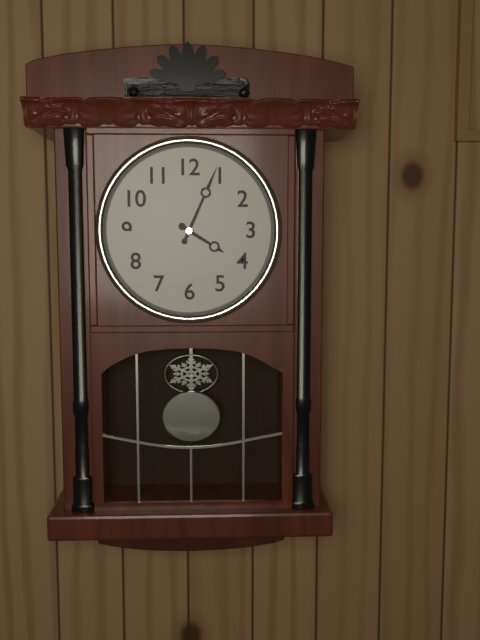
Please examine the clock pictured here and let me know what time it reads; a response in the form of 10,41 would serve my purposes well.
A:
4,04
